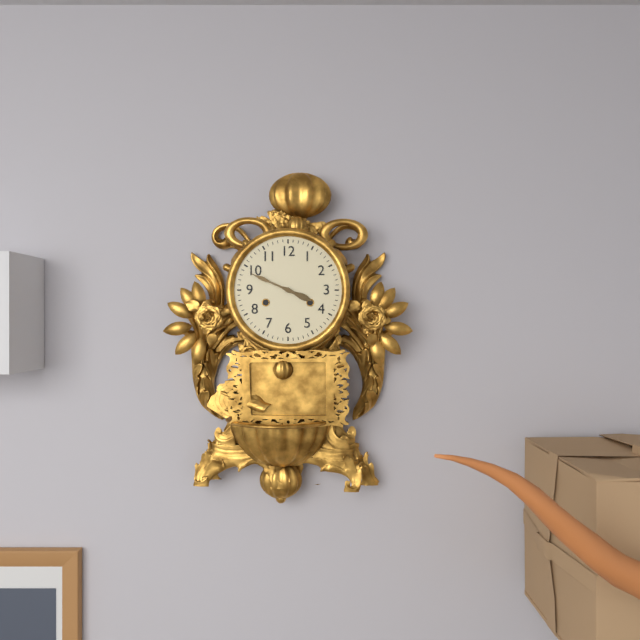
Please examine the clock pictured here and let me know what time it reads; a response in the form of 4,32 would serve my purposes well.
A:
3,49
